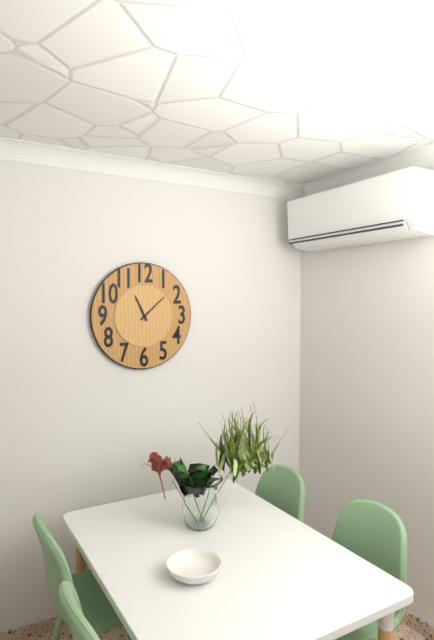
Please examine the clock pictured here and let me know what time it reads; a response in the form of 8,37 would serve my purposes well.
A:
11,08
